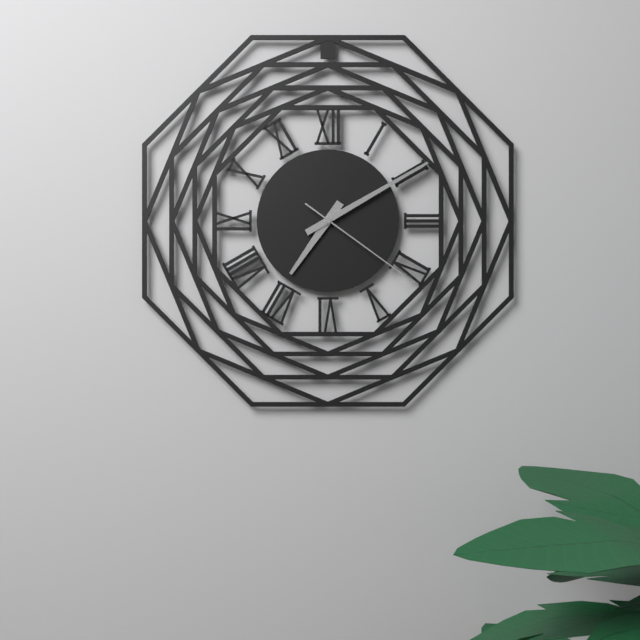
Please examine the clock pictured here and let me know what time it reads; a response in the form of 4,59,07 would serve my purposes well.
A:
7,10,21
